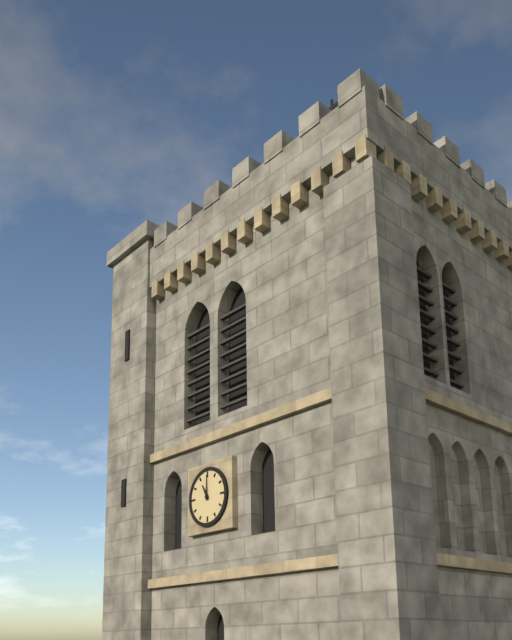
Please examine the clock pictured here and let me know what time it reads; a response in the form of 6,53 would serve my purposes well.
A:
11,00
